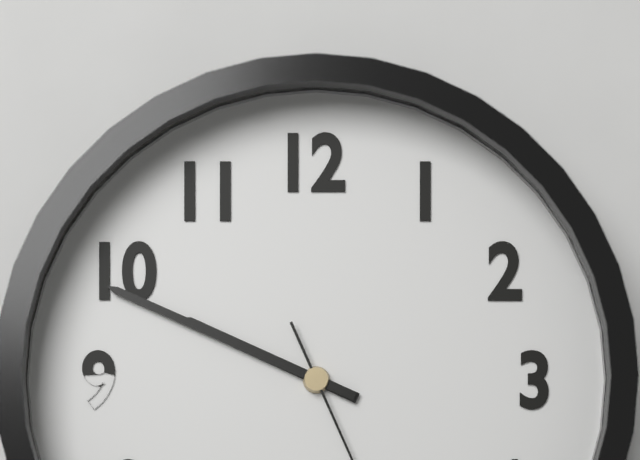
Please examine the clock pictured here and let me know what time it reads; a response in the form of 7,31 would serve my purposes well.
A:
9,49
